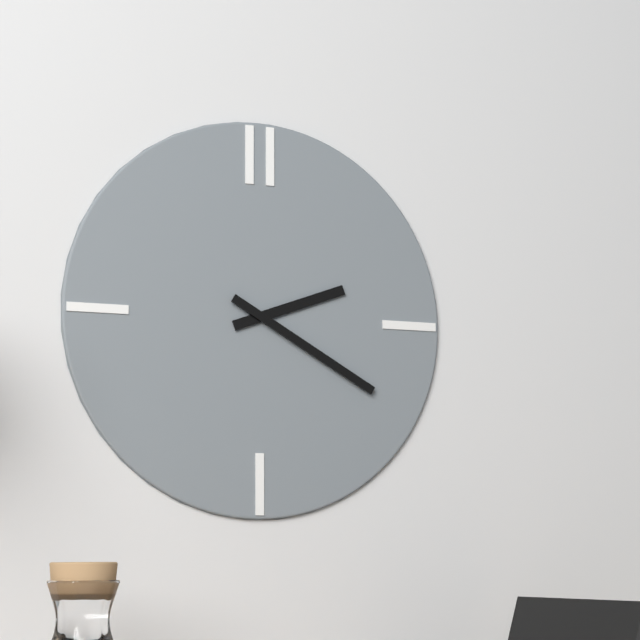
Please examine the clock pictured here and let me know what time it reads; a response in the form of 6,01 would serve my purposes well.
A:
2,20
